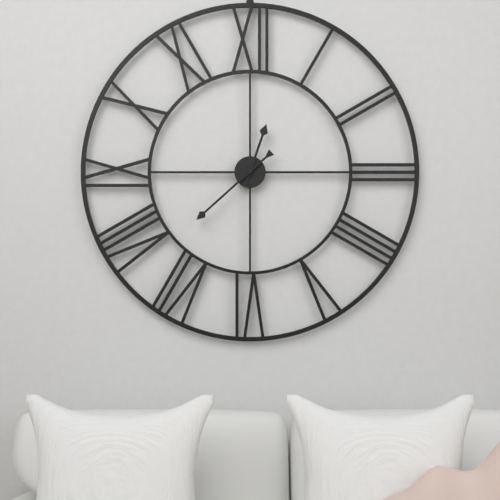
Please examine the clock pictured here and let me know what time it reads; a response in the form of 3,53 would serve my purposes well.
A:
12,38
